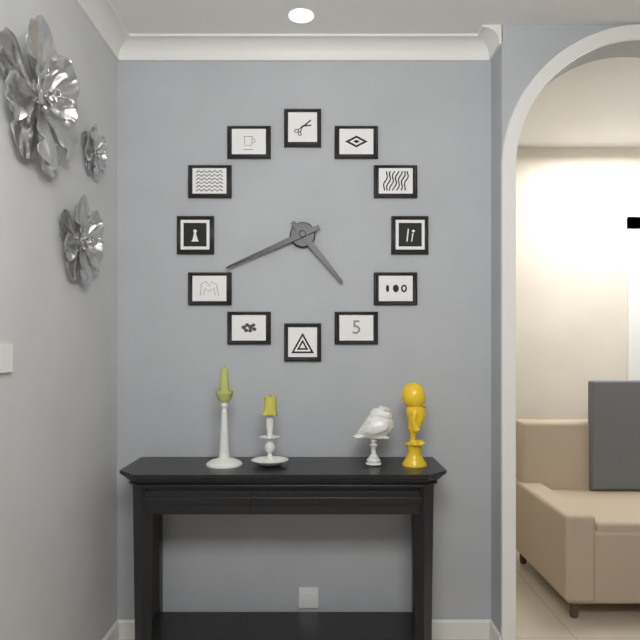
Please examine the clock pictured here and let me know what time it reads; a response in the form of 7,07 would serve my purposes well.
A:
4,41
